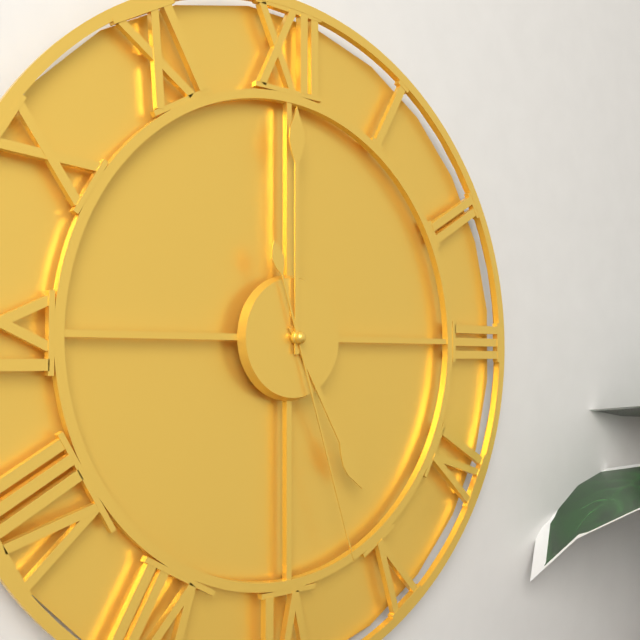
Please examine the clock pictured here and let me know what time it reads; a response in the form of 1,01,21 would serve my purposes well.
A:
5,00,27
